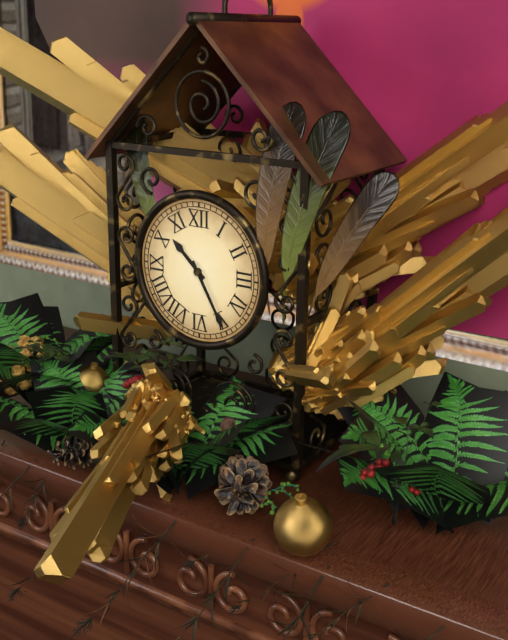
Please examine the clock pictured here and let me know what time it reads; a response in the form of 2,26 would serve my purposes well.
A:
10,25
